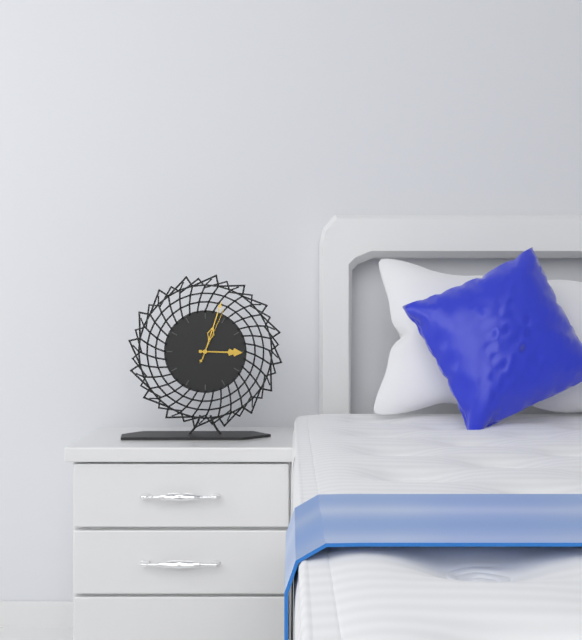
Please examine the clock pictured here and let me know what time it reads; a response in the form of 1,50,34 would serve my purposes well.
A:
3,03,04
